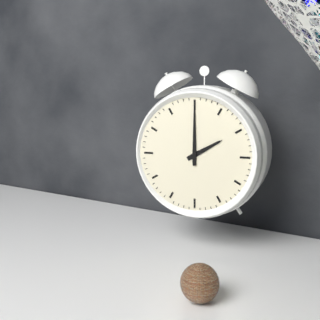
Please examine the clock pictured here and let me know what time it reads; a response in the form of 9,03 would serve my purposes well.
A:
2,00
